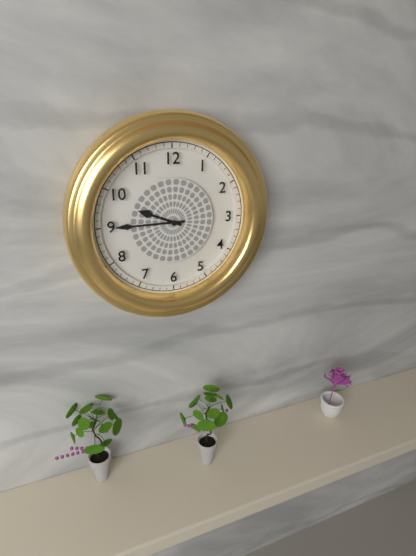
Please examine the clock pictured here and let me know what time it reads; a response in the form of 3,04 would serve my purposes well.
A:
9,45
